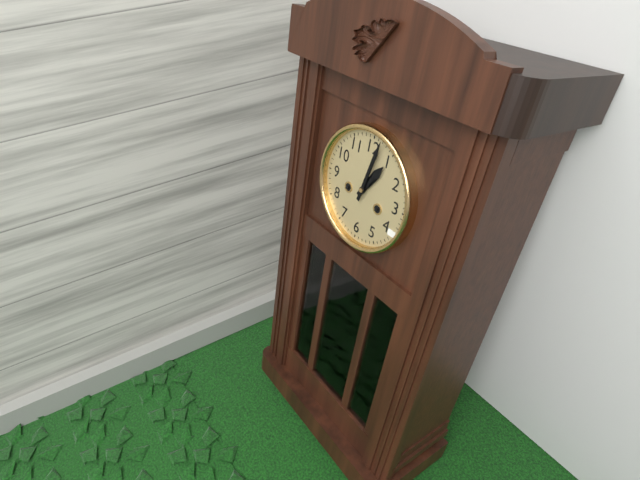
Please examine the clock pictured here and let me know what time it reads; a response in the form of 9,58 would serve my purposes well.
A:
1,02
